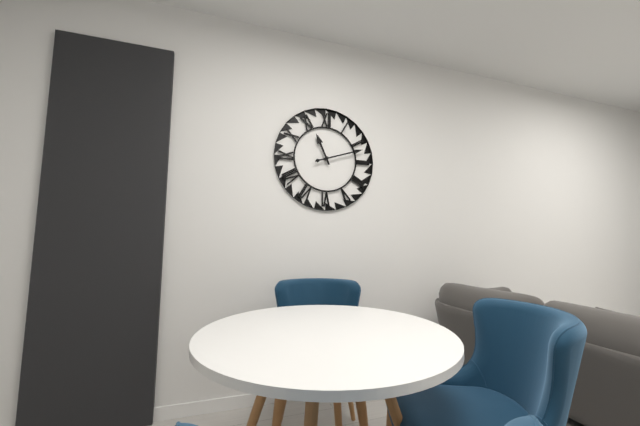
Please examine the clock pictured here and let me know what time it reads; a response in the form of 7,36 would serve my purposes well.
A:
11,12
